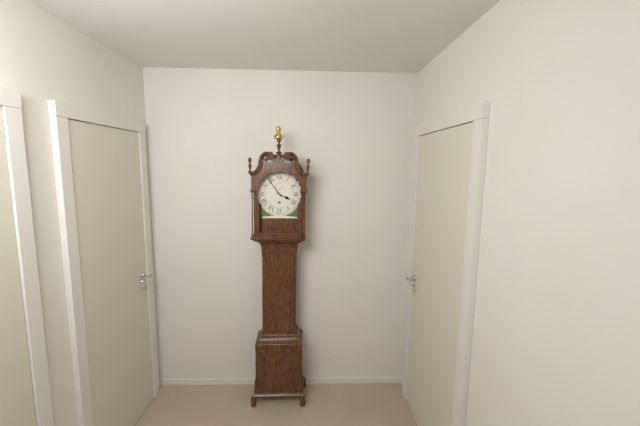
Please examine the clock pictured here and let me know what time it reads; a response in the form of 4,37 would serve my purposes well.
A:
3,54
